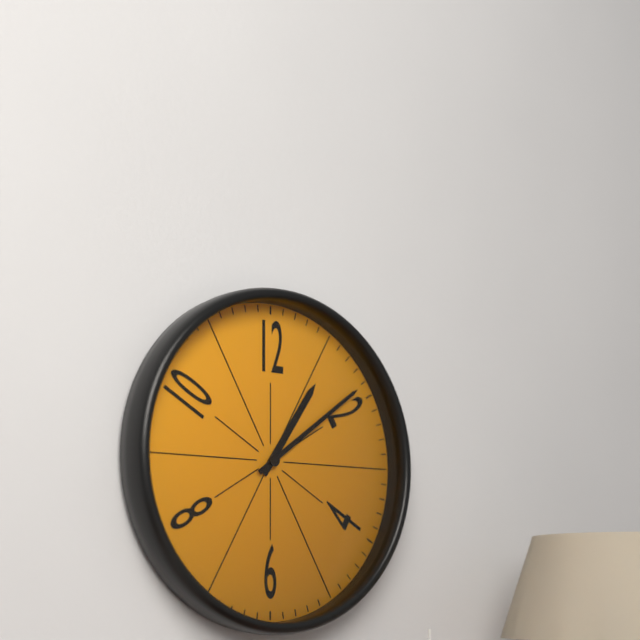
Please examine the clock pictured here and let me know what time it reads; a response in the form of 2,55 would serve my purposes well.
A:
1,09
